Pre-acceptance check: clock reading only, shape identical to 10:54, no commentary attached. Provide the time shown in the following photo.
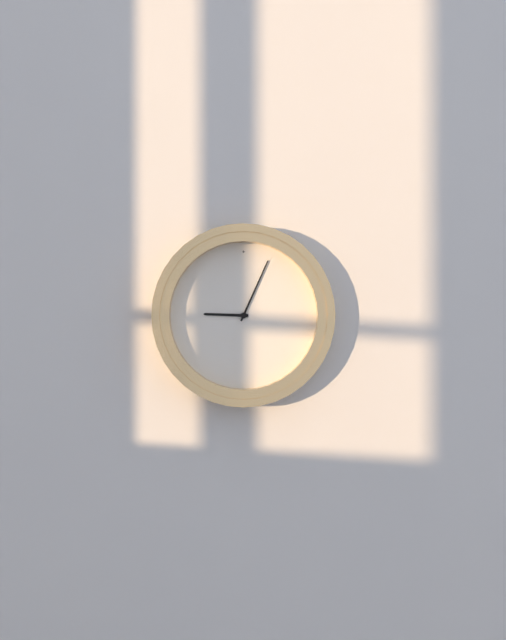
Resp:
9:04
